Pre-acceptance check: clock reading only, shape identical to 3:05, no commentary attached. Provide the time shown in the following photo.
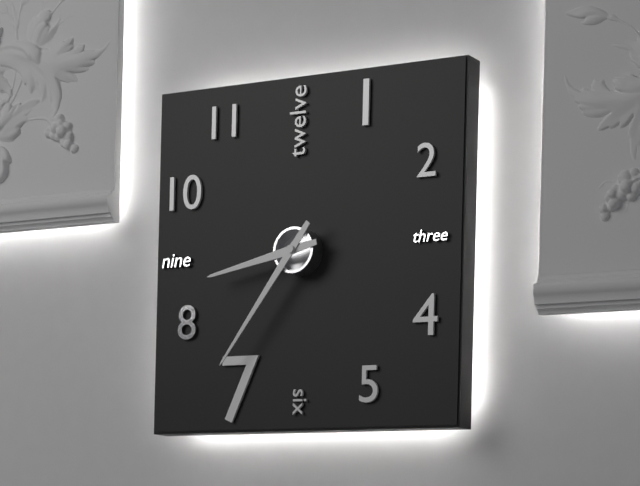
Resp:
8:36
